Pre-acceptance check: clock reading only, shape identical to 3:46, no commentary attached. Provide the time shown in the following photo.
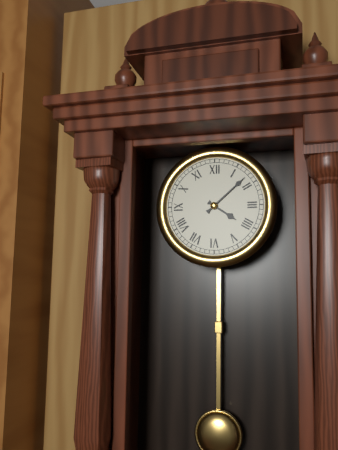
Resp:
4:08
